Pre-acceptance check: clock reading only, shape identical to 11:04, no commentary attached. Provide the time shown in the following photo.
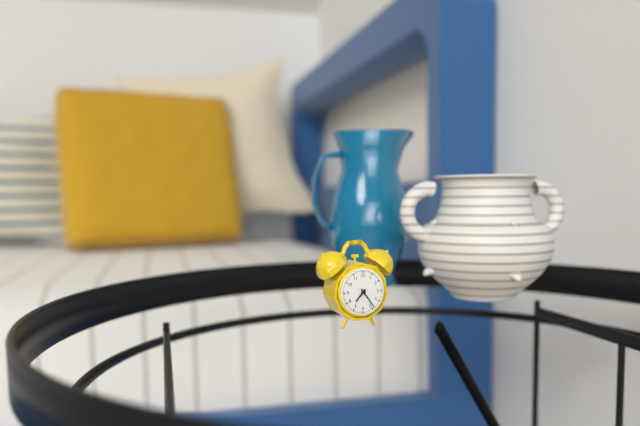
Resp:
7:24
